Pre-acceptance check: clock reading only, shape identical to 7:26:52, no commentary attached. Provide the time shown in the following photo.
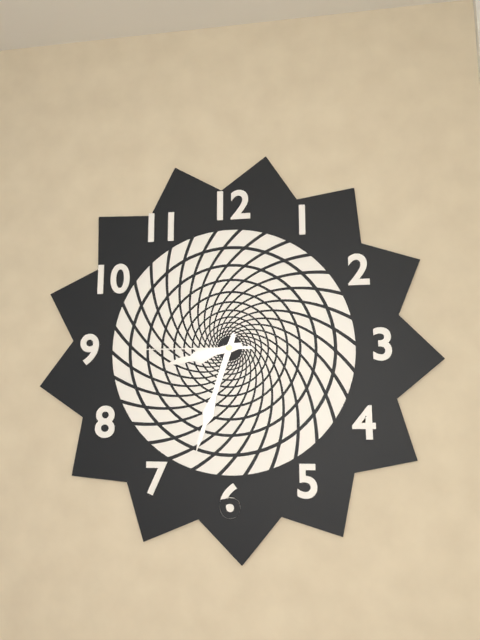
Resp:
8:33:45
